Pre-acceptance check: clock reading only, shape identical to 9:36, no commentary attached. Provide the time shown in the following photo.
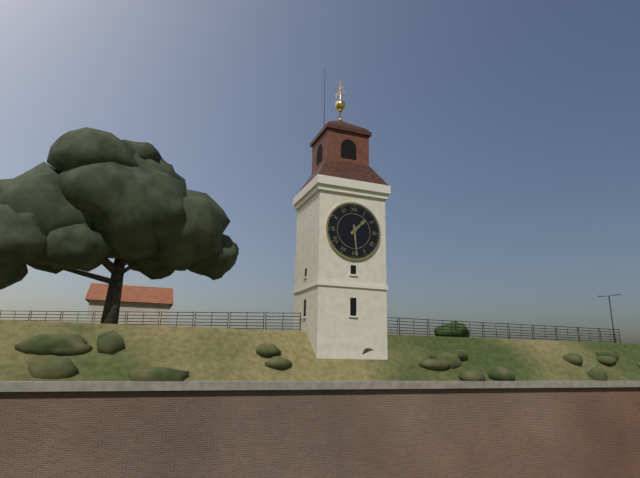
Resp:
1:29
